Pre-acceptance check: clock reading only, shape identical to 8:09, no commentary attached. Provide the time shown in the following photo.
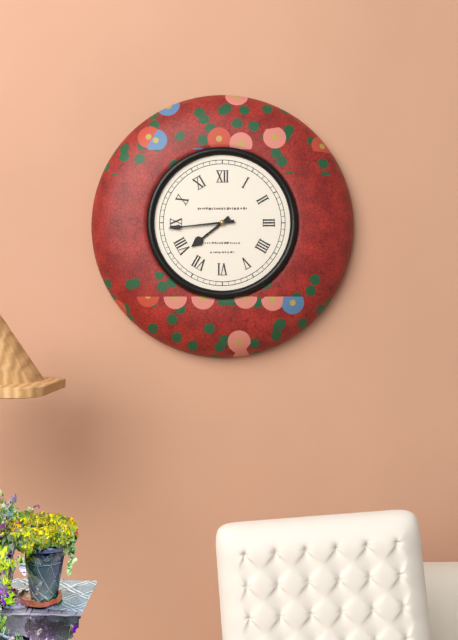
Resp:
7:44
